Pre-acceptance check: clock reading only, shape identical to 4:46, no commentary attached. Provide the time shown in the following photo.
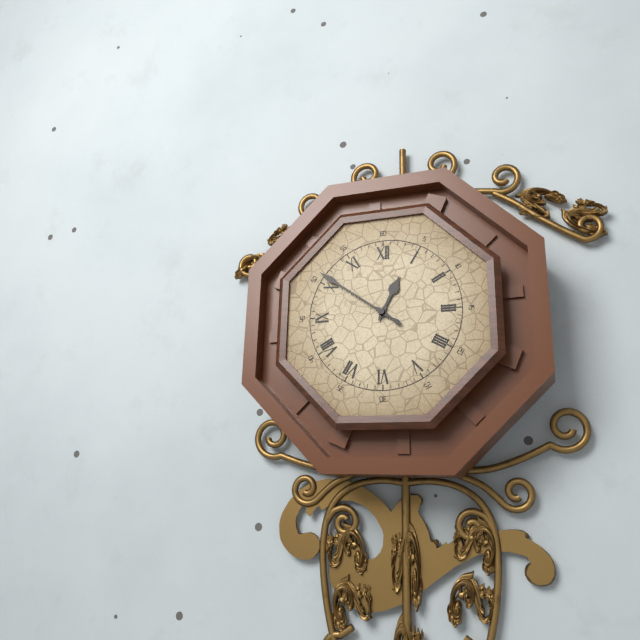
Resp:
12:51
